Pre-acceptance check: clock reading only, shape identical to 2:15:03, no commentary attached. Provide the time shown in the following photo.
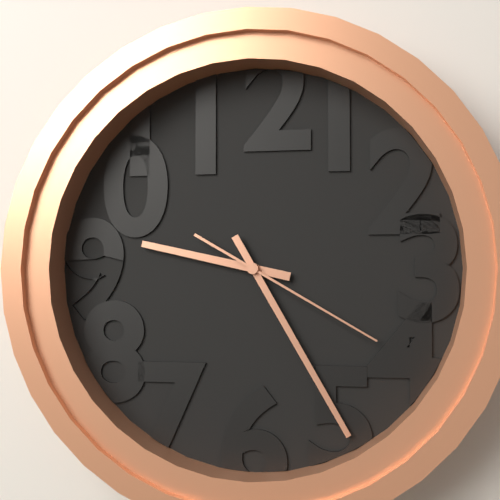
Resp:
9:25:20
